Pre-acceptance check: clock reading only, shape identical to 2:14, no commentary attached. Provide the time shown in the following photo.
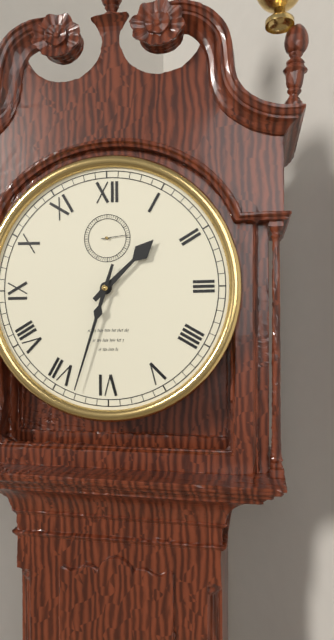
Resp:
1:33
